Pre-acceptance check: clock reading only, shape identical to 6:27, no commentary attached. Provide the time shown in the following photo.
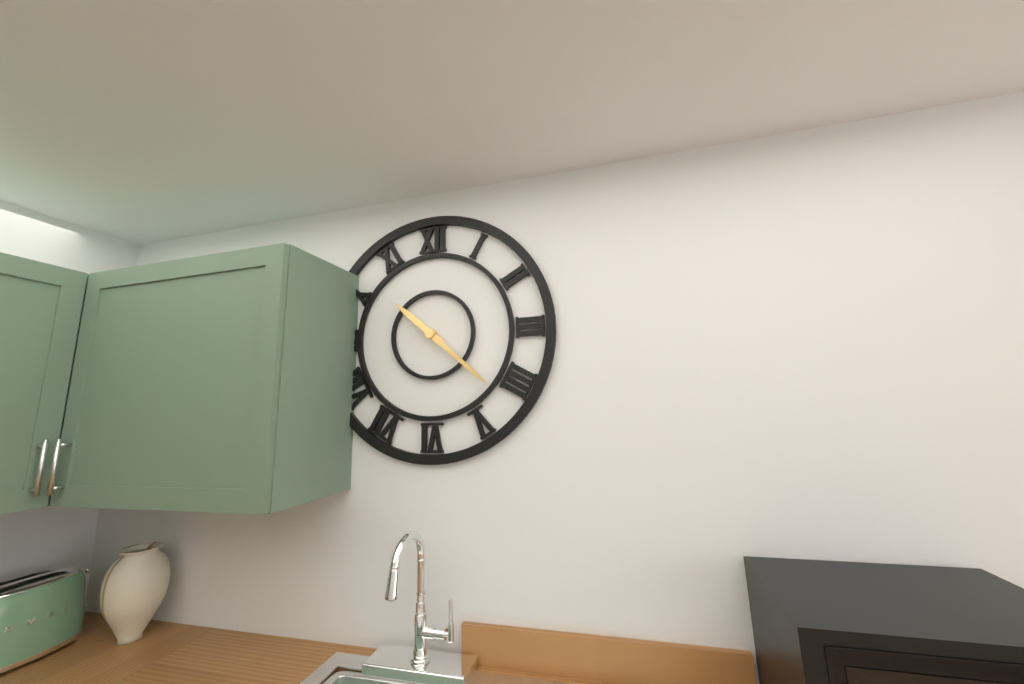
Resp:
10:22
